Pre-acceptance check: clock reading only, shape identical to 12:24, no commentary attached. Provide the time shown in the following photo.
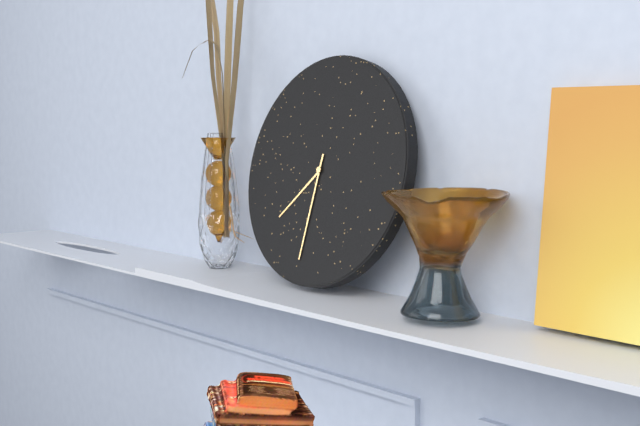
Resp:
7:31
